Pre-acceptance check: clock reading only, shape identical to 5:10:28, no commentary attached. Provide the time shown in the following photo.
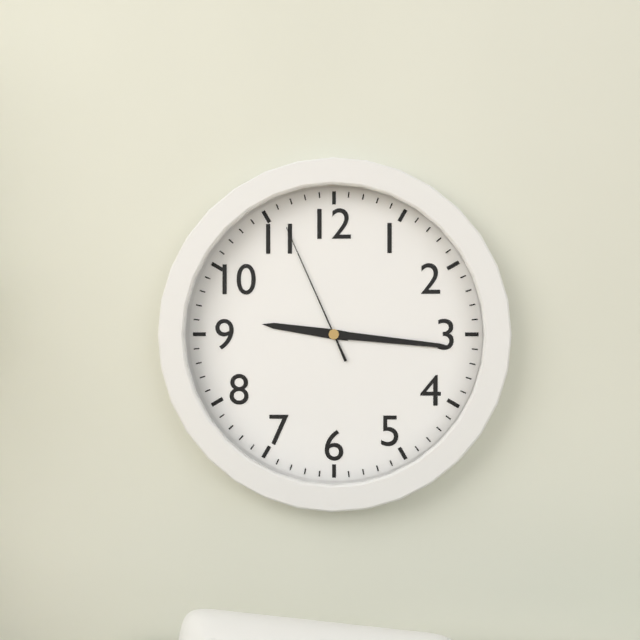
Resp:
9:16:56
